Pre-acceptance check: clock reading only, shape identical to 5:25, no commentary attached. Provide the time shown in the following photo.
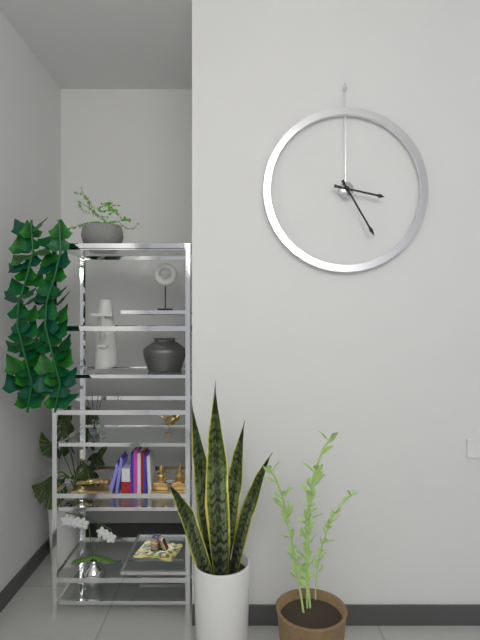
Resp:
3:25
